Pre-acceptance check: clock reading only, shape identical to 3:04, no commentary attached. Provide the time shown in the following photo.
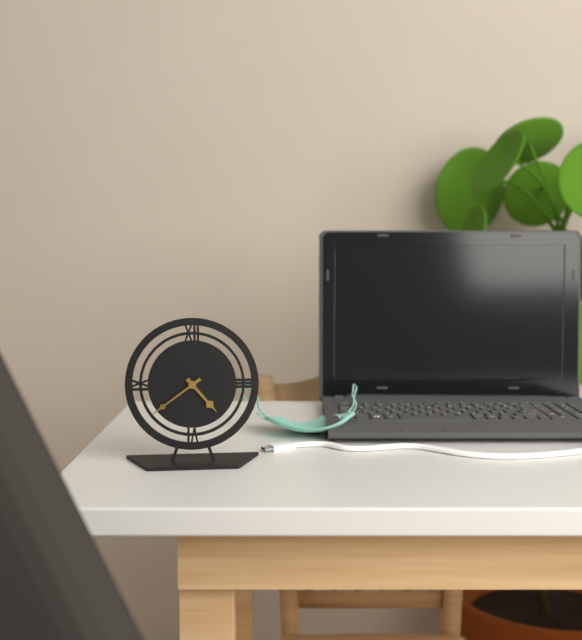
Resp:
4:39
